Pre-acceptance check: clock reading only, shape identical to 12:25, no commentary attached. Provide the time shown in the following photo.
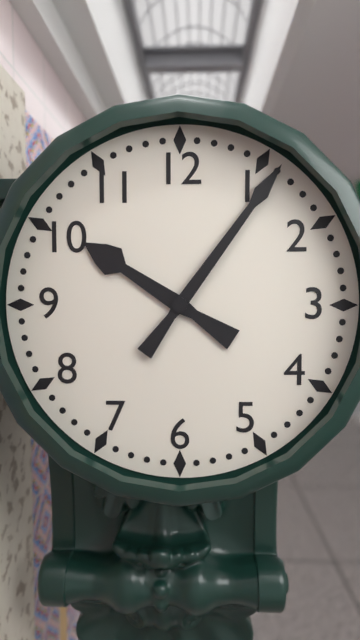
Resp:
10:06
